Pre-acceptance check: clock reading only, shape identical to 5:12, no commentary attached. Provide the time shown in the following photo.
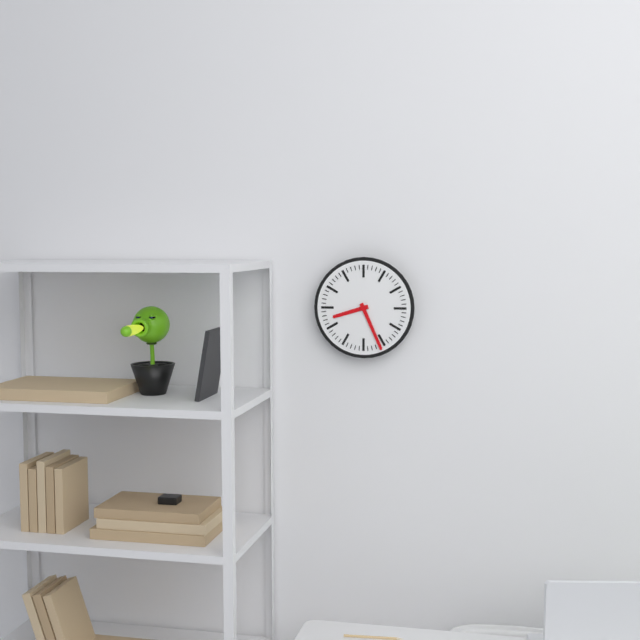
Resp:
8:26
